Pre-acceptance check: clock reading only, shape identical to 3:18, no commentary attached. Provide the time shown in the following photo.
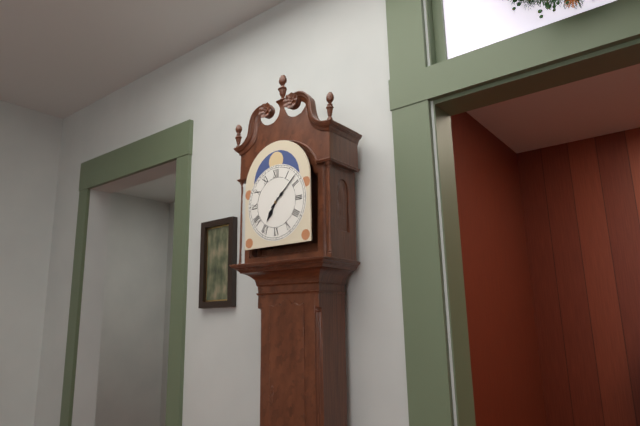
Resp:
7:08
